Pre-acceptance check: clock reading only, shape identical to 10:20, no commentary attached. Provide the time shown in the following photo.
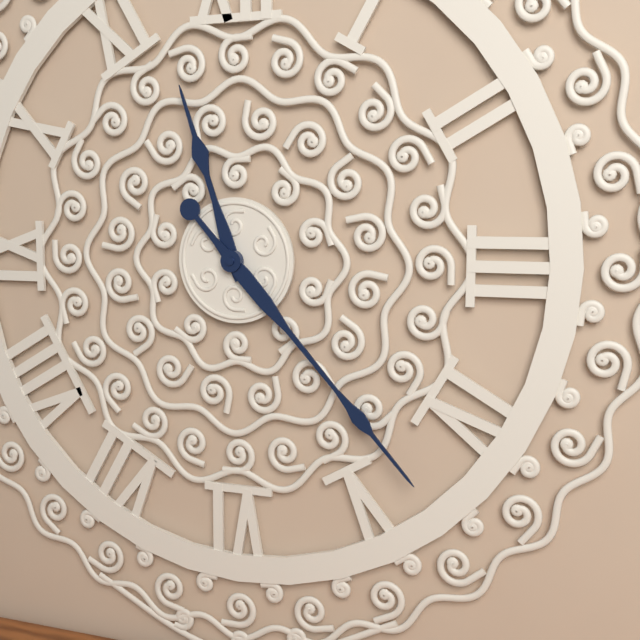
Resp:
11:23
